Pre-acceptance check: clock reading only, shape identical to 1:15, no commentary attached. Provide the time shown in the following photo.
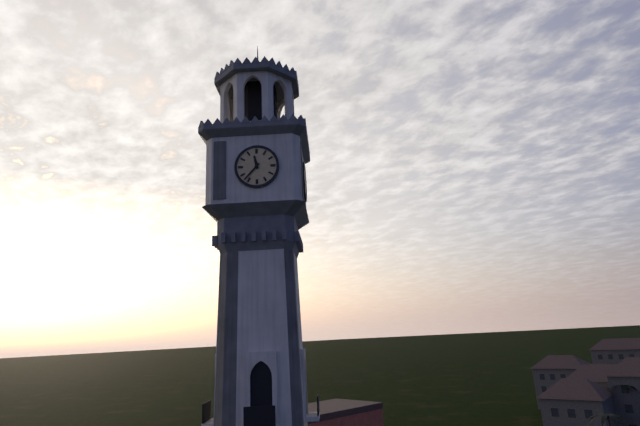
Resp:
11:37
